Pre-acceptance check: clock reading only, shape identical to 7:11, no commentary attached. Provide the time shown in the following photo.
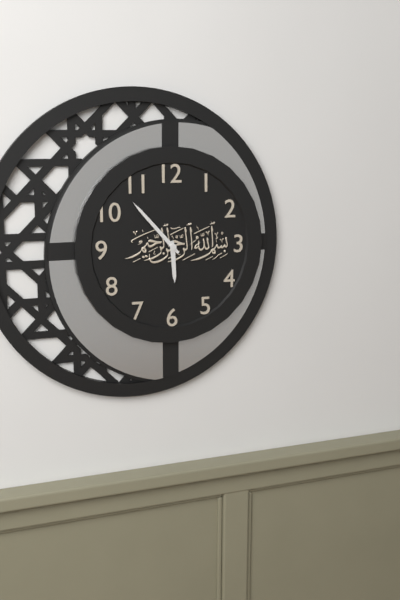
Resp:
5:53
